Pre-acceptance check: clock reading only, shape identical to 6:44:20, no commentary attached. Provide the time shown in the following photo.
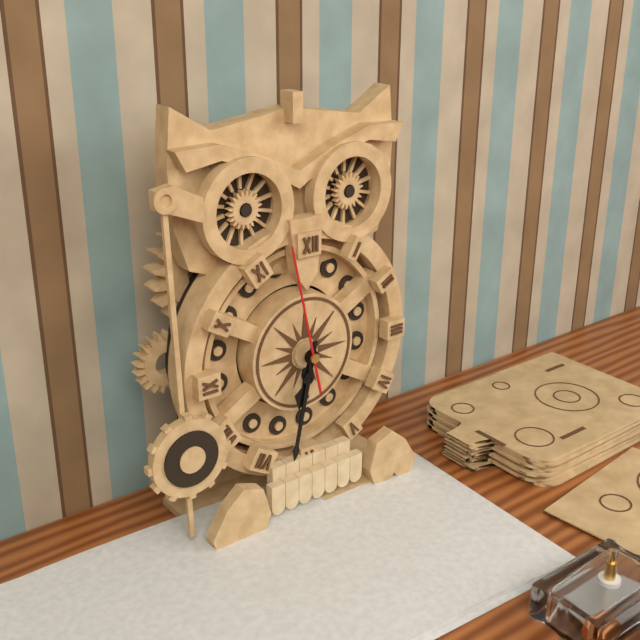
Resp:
6:32:58
